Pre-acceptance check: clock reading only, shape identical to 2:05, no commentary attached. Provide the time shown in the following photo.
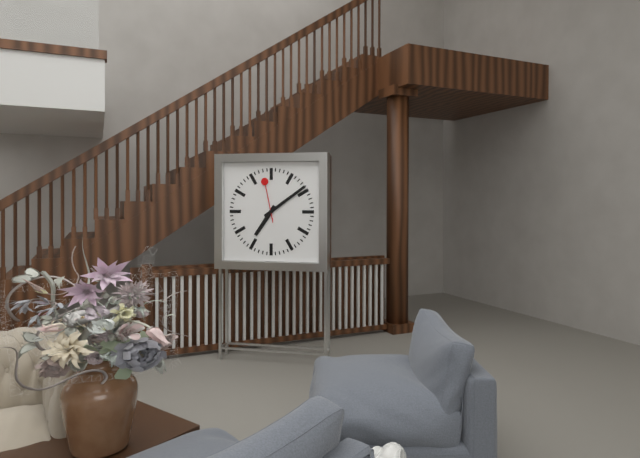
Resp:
7:09
